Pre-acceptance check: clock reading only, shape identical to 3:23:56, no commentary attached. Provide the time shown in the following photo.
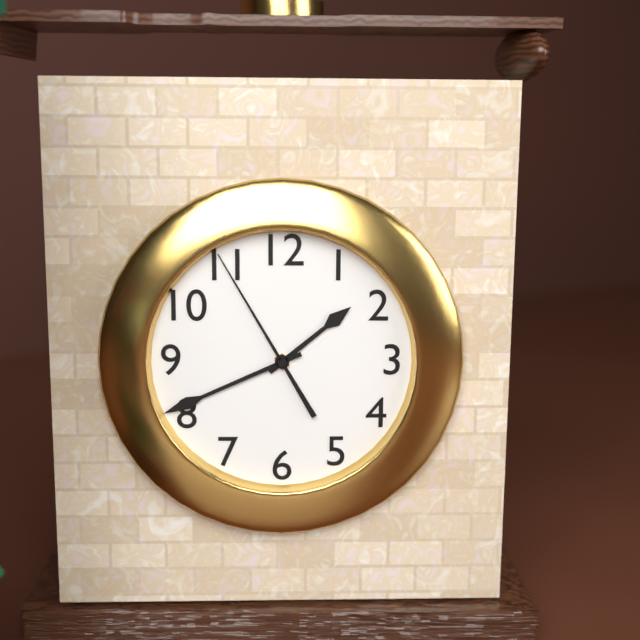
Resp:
1:41:55
